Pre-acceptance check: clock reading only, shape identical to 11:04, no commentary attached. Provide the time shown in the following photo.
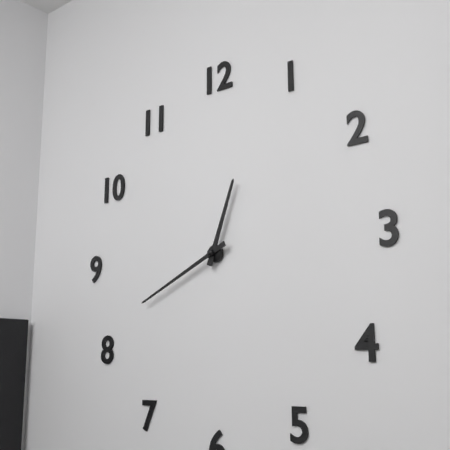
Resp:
12:41
